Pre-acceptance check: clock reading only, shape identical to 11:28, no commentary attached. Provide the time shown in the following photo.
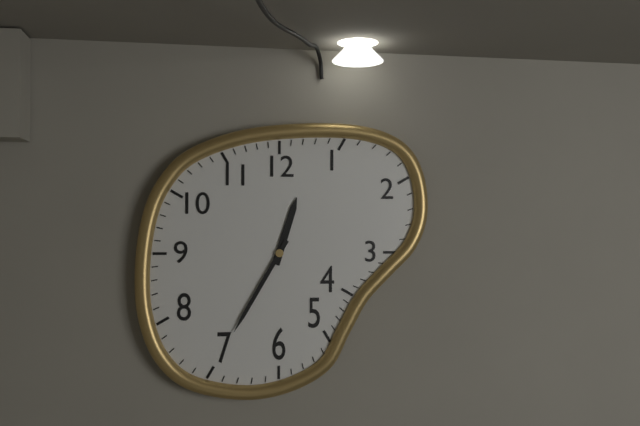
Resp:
12:35
